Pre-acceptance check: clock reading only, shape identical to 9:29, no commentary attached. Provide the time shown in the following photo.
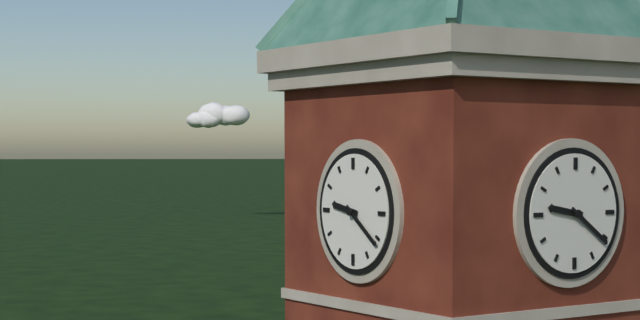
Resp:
9:21
